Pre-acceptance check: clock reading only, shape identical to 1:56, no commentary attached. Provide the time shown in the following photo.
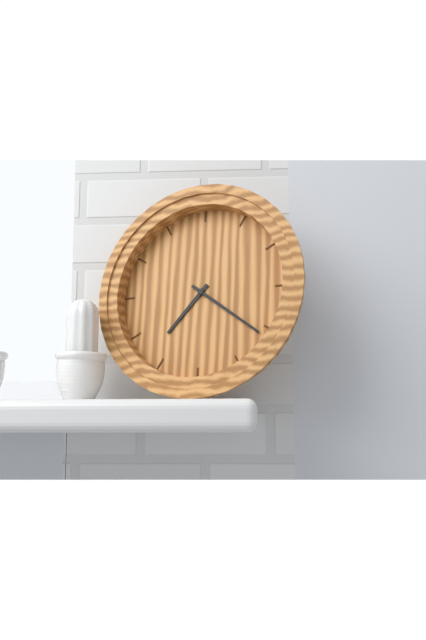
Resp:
7:21
